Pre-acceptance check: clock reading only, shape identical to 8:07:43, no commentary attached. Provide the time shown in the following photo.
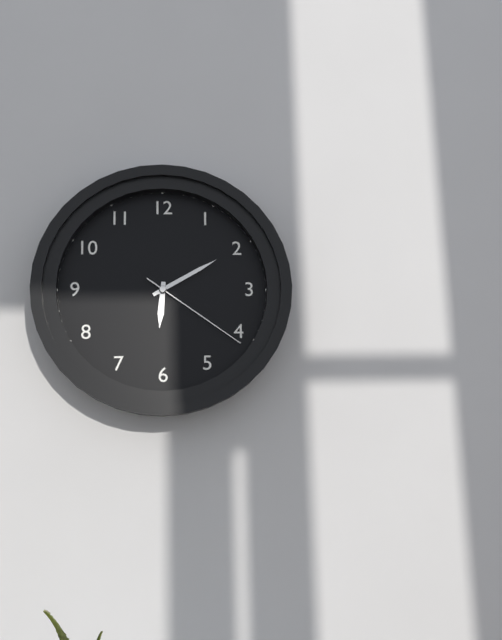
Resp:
6:10:21
